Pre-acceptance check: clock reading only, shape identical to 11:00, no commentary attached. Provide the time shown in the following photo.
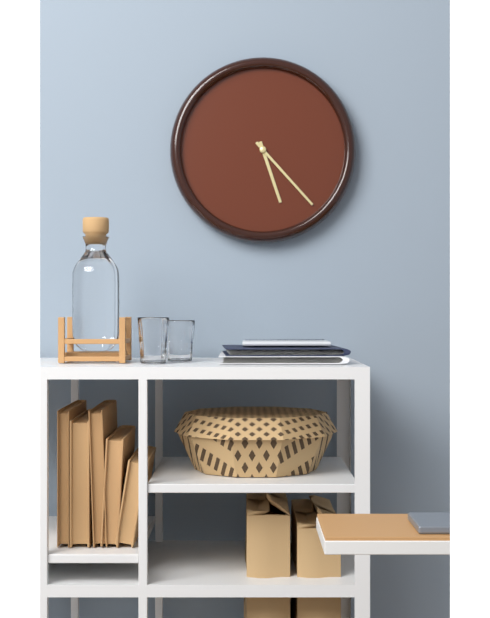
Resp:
5:23
